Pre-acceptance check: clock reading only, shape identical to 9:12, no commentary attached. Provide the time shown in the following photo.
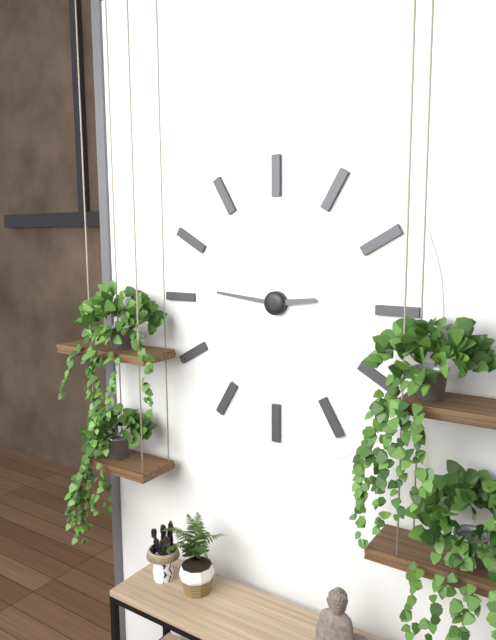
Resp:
2:46
